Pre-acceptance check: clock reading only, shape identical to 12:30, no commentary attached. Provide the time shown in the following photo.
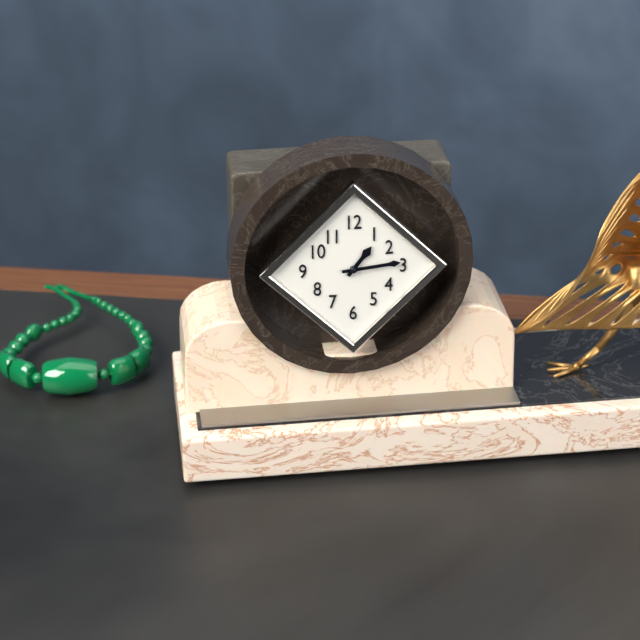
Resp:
1:14
